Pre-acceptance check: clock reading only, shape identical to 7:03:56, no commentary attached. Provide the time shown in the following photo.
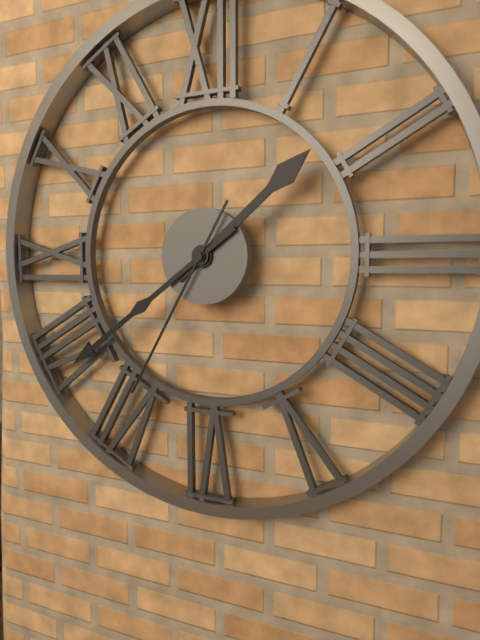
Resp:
1:39:35
